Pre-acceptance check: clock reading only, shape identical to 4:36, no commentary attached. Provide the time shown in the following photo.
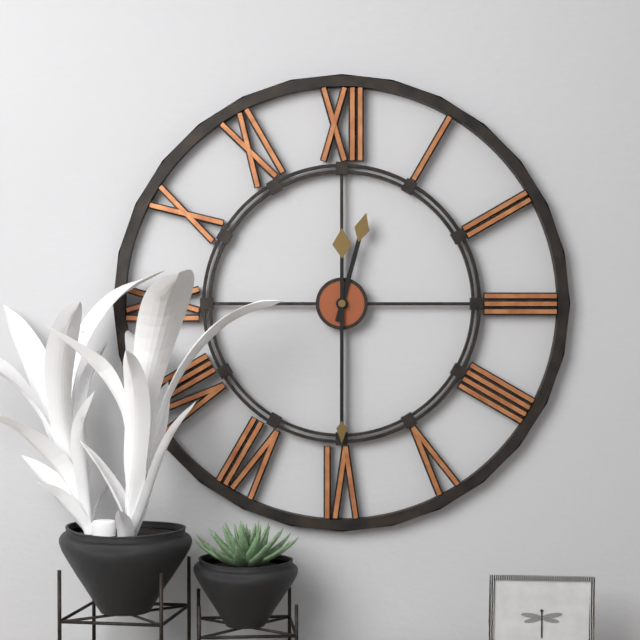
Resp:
12:30
